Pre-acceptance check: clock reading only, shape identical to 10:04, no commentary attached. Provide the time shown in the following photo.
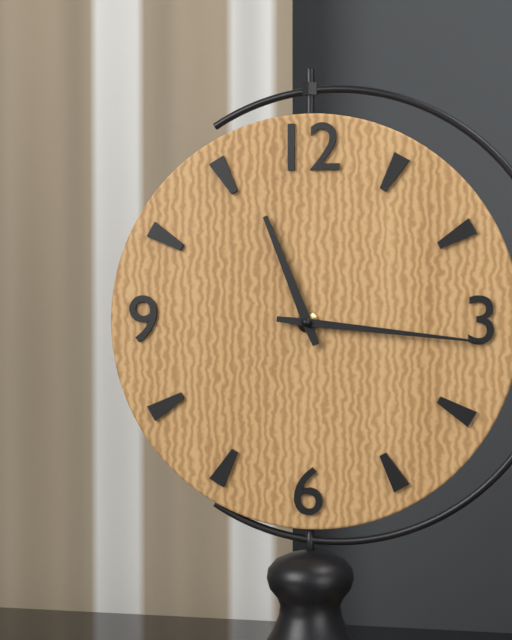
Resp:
11:16
